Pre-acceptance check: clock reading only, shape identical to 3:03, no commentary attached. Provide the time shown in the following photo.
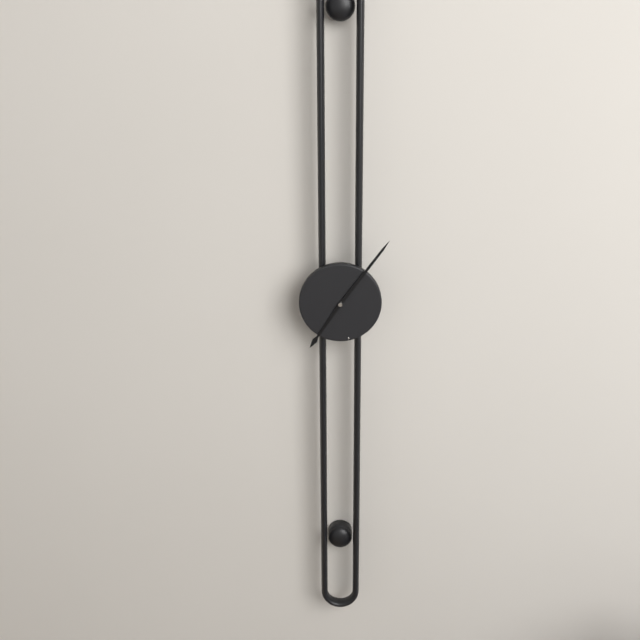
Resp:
7:06
